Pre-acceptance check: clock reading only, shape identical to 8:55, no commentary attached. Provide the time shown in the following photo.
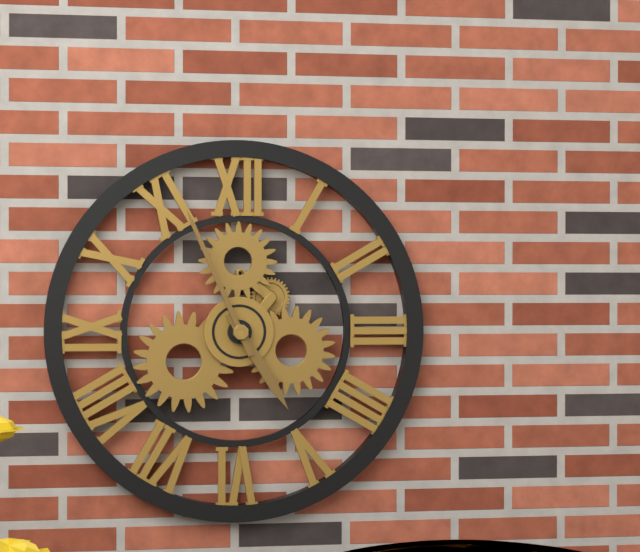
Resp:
4:56
